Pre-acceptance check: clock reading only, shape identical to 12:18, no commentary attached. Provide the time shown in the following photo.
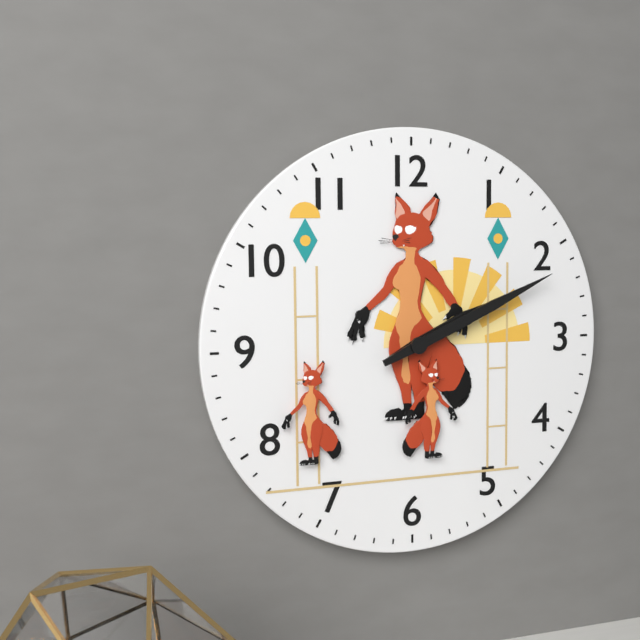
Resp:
2:11
